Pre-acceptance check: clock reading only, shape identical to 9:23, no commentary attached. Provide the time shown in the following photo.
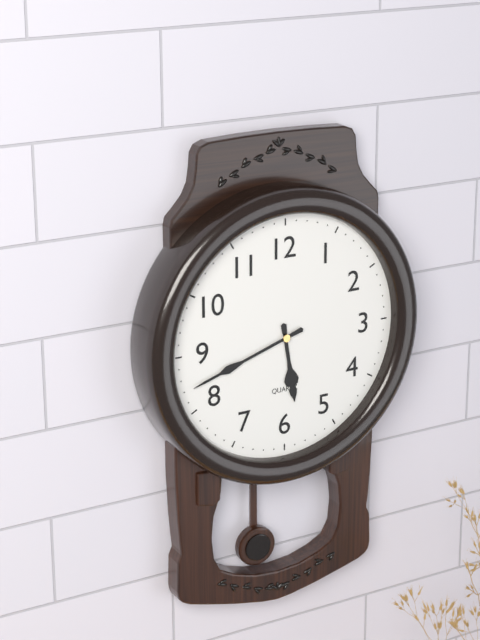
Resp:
5:42
